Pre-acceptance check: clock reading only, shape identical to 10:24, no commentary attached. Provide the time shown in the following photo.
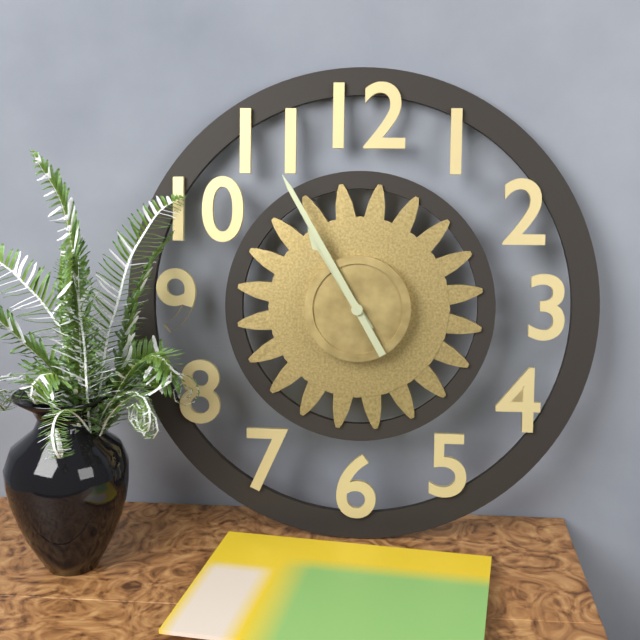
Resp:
10:55
